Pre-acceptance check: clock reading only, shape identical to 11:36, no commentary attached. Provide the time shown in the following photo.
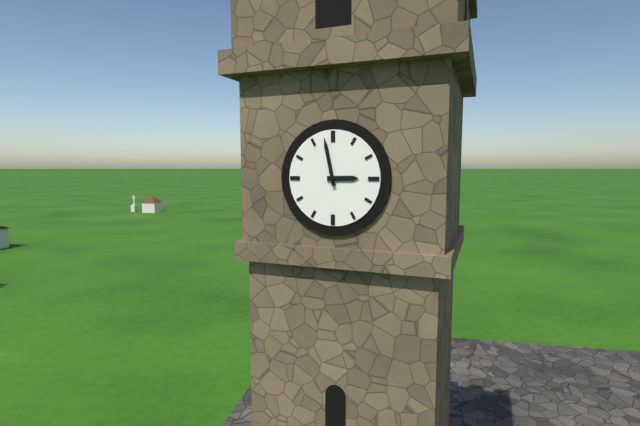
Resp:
2:58
